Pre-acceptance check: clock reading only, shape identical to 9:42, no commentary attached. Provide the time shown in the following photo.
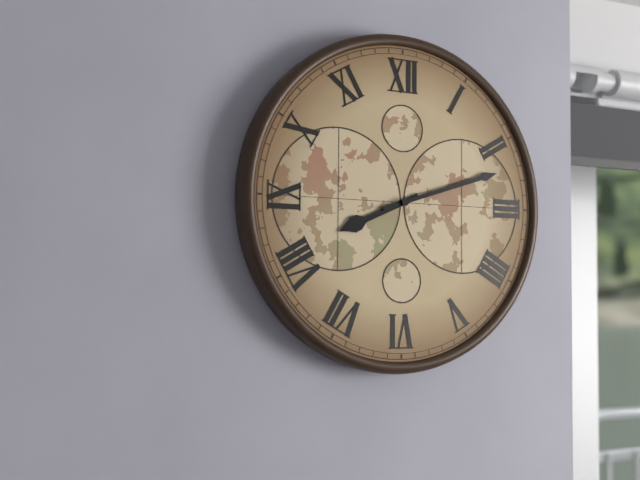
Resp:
8:12
